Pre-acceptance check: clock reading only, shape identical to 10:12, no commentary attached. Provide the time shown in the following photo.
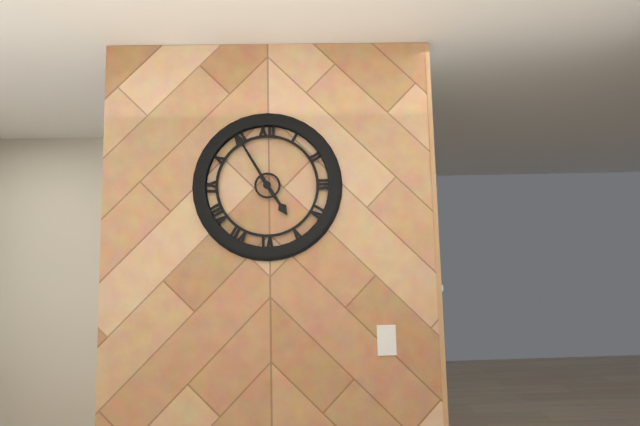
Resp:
4:55
